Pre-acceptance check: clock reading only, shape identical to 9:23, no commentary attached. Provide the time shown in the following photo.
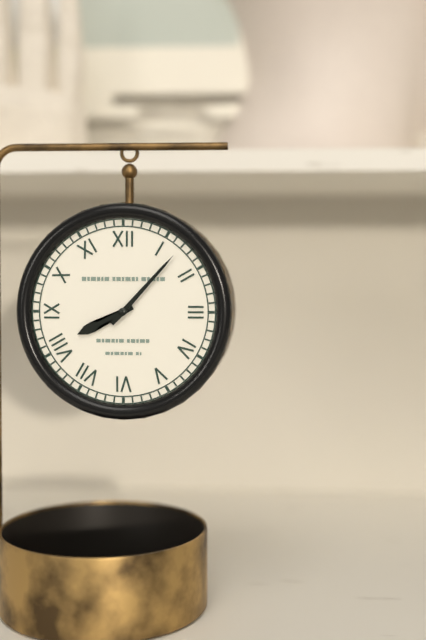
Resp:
8:07
